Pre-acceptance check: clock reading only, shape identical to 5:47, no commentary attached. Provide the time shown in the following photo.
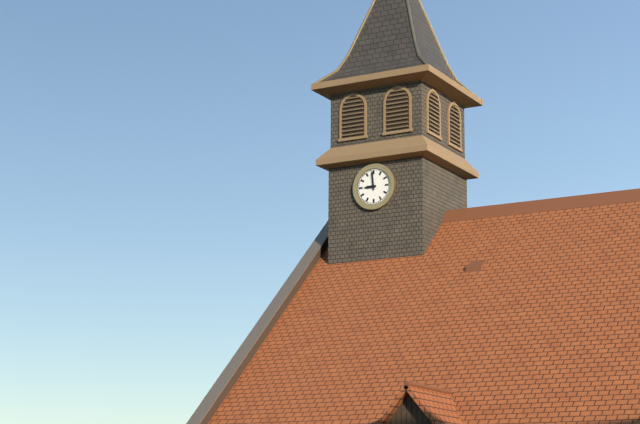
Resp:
8:59
